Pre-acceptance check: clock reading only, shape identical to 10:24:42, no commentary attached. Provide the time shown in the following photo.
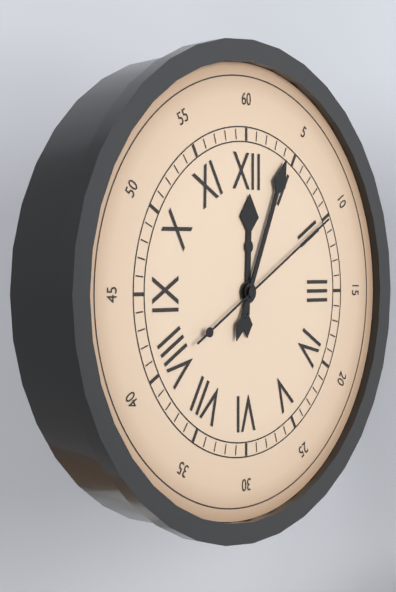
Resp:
12:04:10
